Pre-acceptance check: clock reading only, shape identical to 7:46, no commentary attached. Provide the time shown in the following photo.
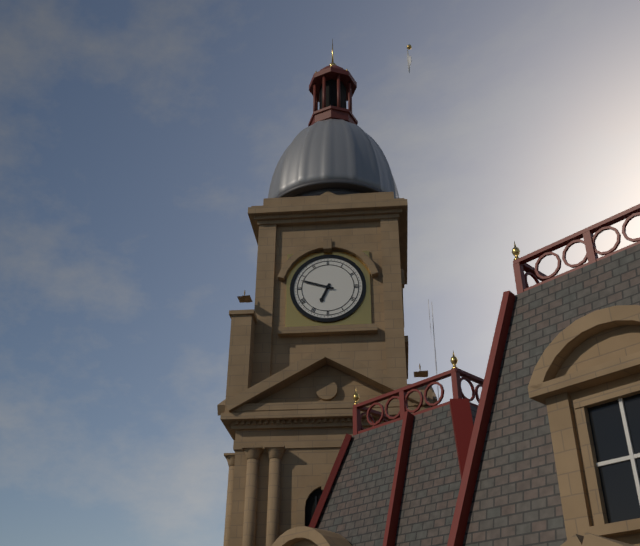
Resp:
6:48
